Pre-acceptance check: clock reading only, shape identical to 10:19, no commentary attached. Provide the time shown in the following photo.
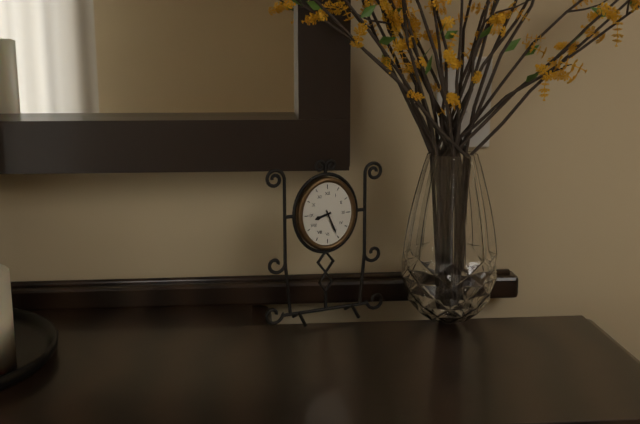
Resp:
8:26
